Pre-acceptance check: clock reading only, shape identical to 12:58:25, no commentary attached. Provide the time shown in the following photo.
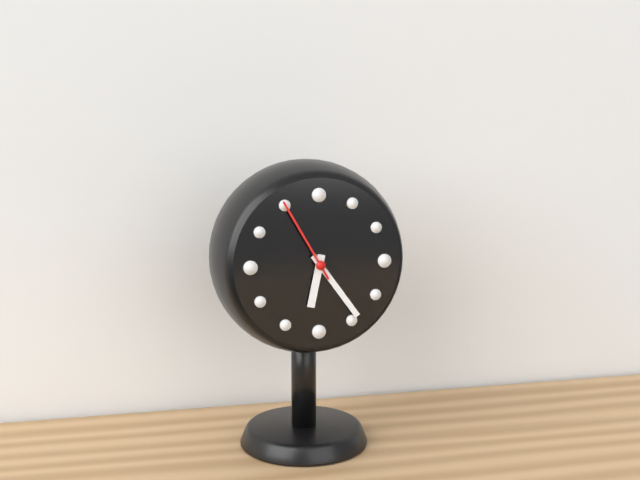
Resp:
6:24:55
